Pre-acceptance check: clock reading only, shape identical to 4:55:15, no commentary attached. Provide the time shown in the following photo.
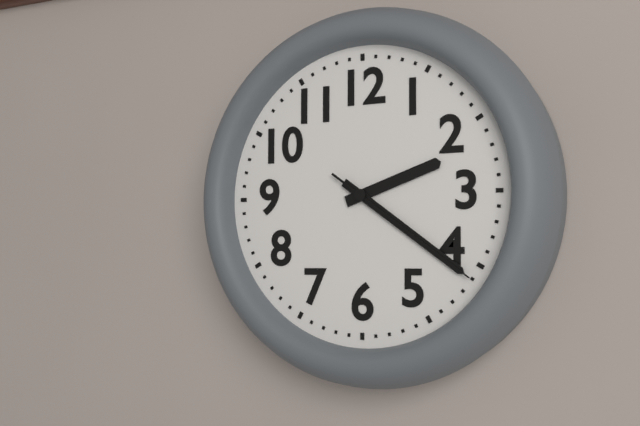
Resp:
2:21:21
